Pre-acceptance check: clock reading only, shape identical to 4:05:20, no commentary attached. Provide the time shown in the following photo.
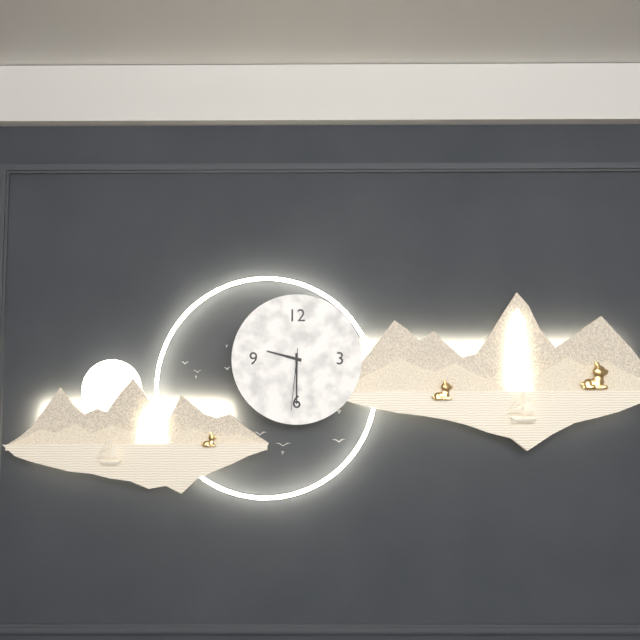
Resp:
9:30:31
